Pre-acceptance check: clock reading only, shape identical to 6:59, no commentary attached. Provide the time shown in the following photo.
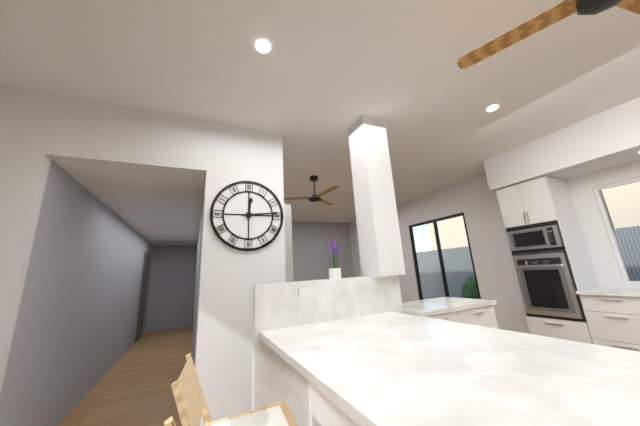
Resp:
12:14
